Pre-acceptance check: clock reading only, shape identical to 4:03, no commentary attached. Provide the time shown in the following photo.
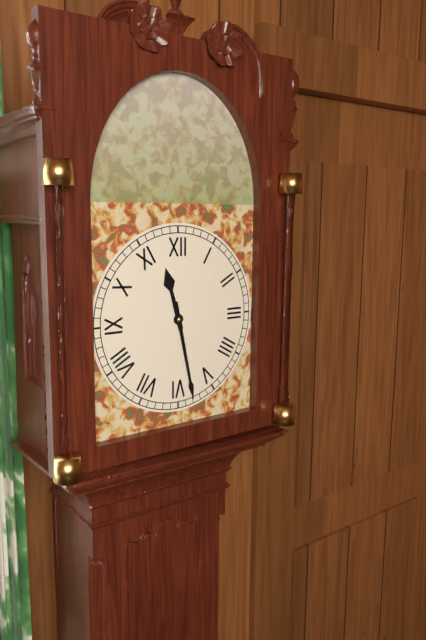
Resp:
11:28
